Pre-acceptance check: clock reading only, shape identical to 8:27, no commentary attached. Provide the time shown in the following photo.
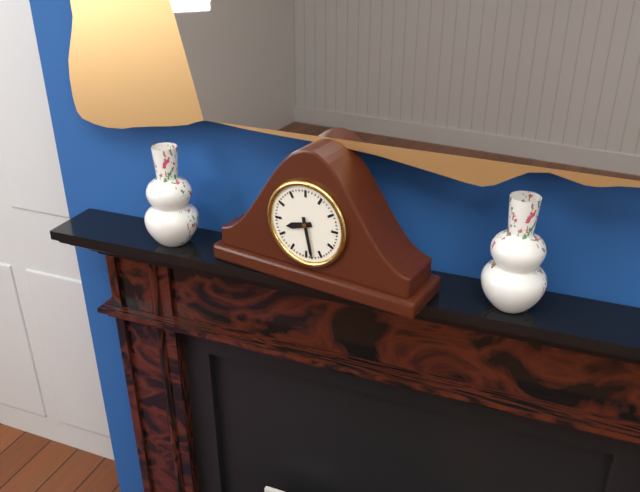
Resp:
8:28
